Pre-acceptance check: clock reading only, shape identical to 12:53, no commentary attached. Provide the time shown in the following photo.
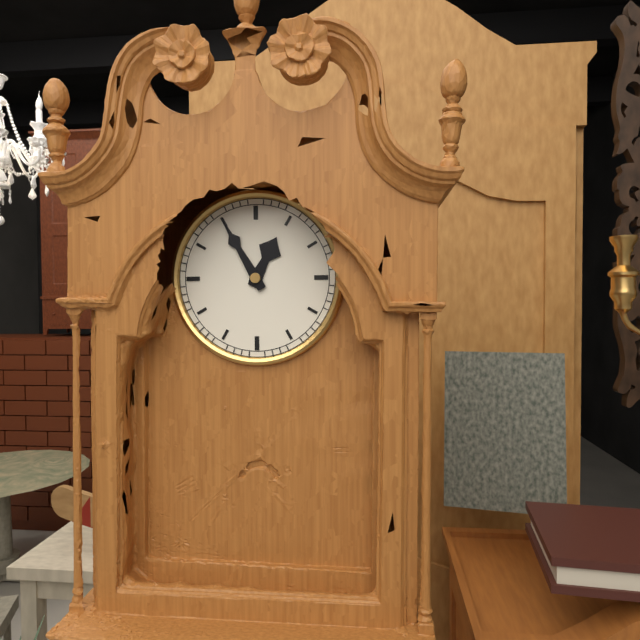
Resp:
12:55
